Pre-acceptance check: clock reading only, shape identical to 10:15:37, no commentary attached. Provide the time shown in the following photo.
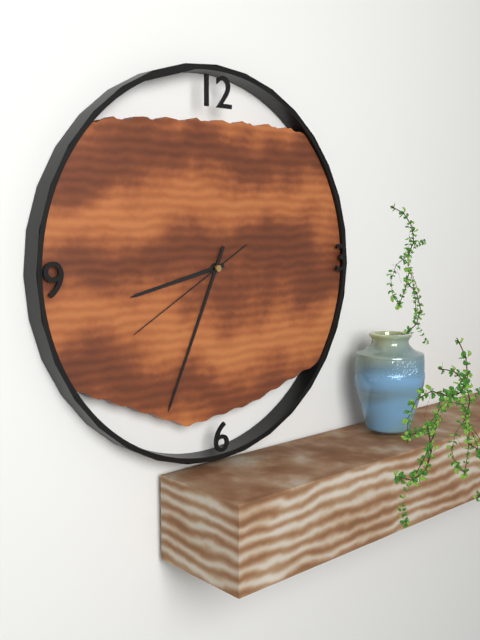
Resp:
8:34:40
